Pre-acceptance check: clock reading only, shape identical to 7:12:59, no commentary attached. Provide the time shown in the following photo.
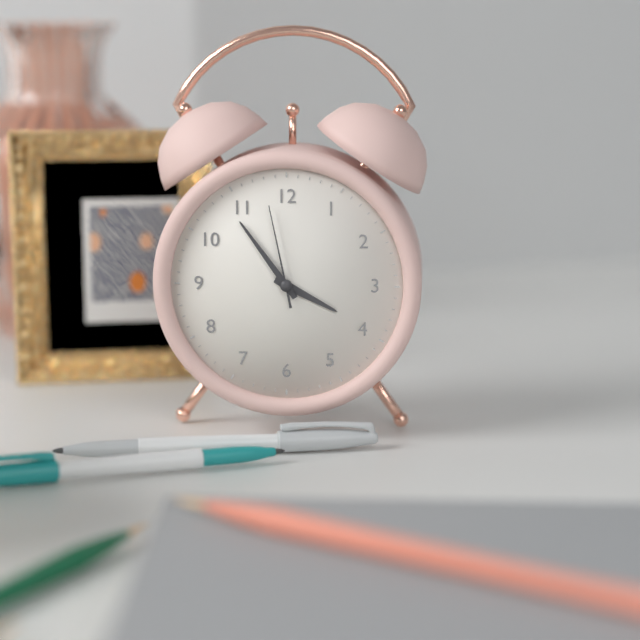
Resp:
3:54:58
